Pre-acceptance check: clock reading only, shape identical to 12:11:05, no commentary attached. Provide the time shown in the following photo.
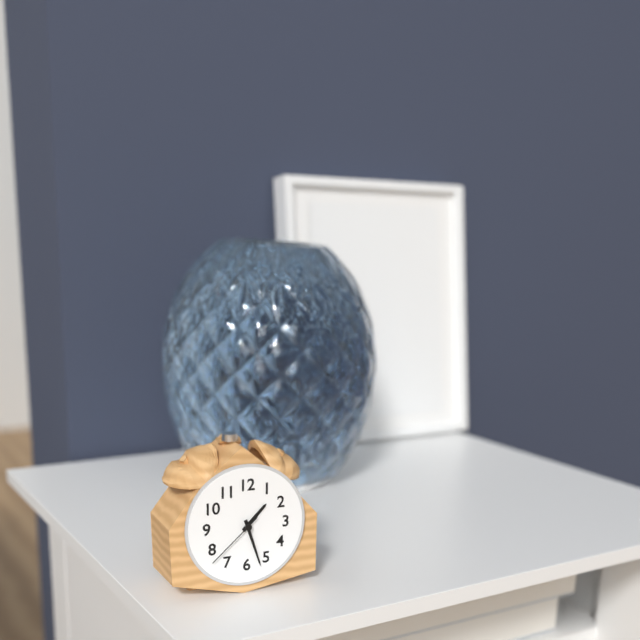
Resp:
1:27:38
